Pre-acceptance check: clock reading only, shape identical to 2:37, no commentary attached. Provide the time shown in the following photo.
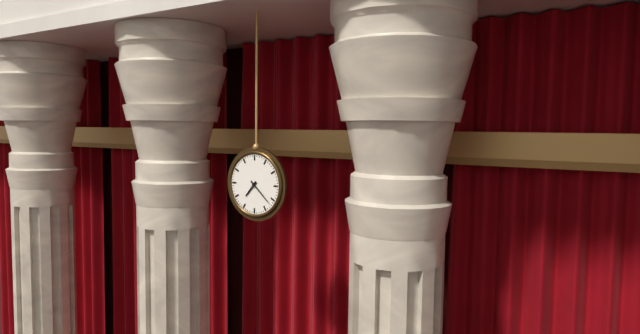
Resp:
7:22
